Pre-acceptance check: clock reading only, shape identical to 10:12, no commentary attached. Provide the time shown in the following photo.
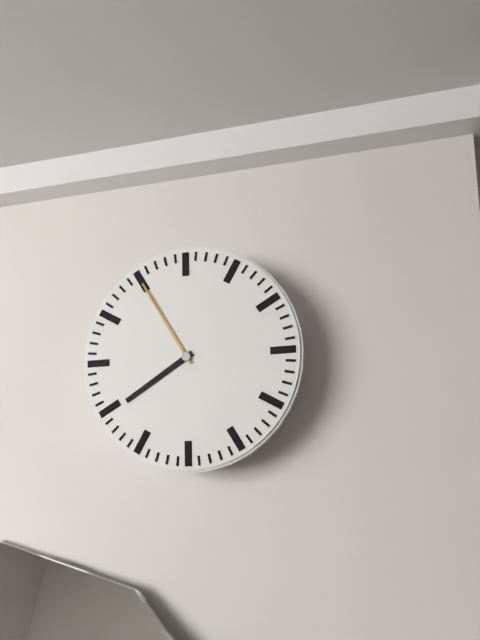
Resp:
7:55
